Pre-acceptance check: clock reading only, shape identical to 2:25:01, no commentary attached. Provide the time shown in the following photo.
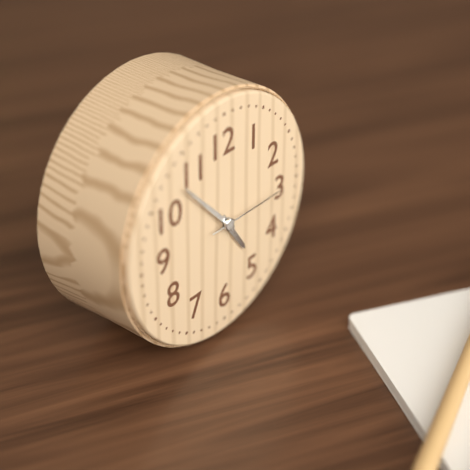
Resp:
4:53:15
